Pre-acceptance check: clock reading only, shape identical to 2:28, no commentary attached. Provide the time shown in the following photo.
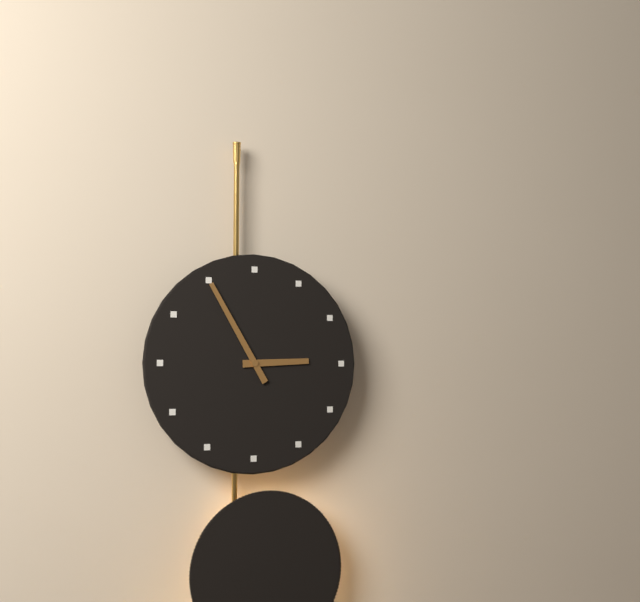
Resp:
2:55
